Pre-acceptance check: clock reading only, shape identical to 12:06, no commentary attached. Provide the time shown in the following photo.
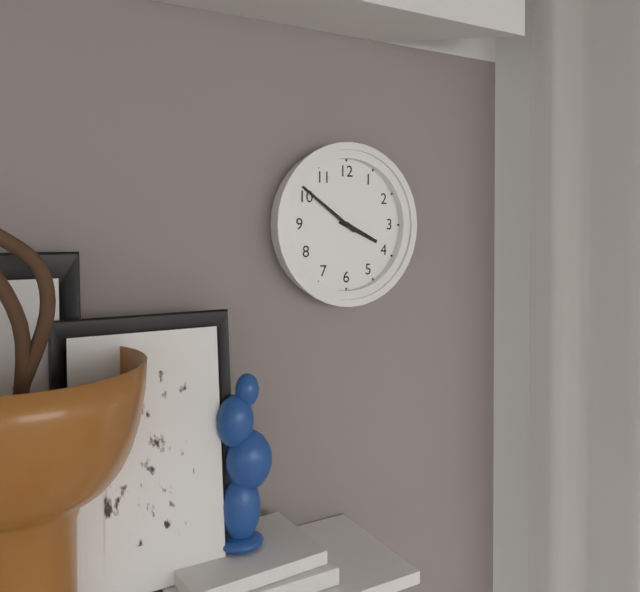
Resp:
3:51
